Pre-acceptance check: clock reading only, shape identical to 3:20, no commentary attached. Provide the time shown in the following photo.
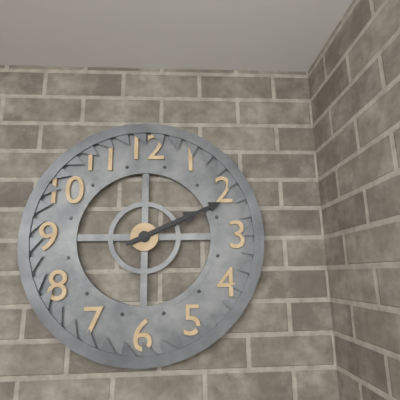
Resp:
2:11
